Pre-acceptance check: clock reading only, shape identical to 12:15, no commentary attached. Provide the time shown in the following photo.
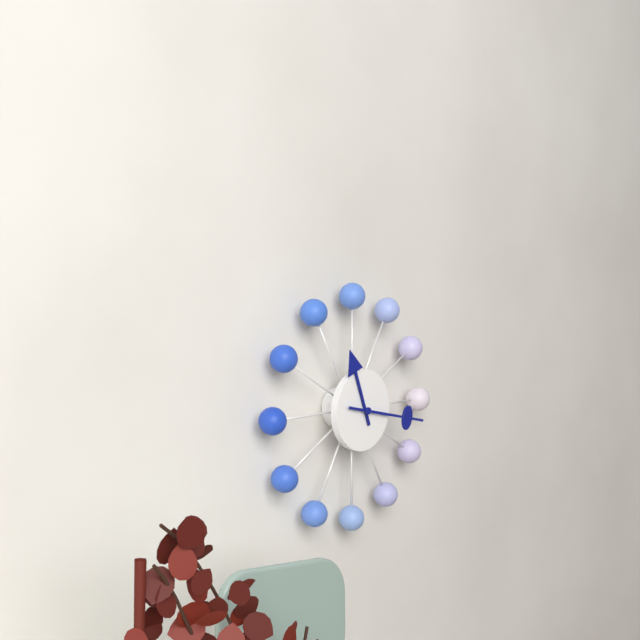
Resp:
11:17
